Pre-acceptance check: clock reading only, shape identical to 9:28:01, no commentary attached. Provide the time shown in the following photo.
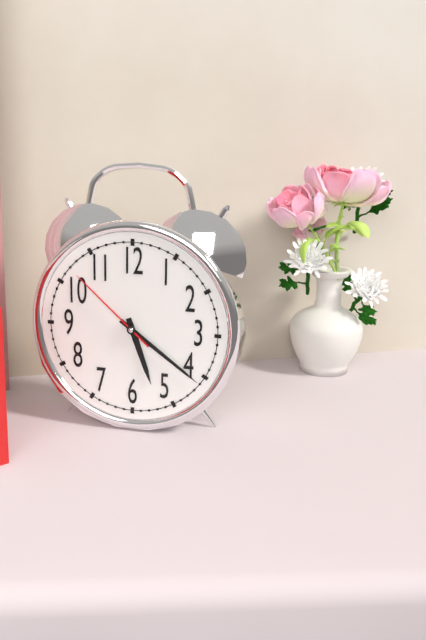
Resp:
5:21:52
